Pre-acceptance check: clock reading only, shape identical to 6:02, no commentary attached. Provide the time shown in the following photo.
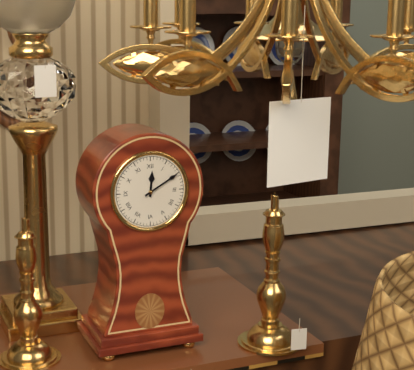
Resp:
12:10
